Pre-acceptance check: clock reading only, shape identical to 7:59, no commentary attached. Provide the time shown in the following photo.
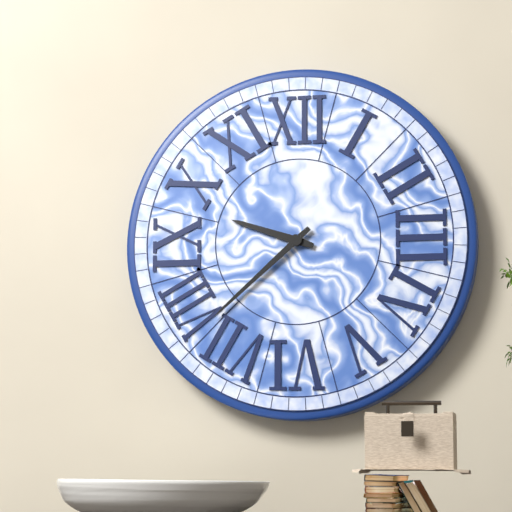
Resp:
9:38
